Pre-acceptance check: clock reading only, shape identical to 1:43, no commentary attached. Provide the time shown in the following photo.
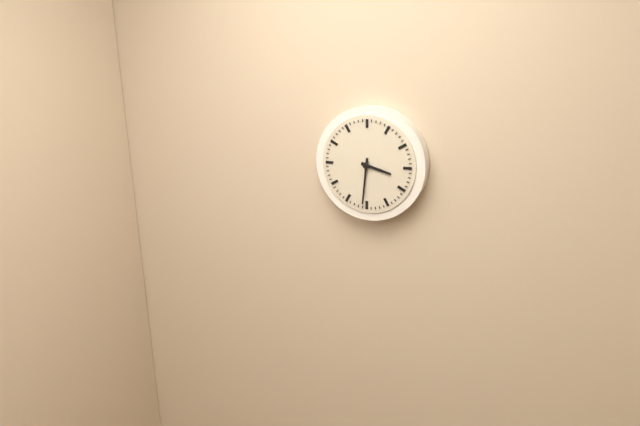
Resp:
3:31
